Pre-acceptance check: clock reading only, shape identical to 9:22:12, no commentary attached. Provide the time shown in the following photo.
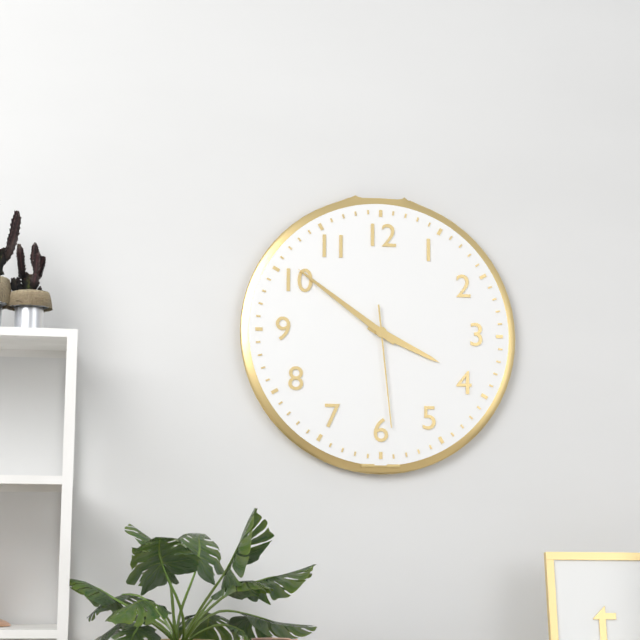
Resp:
3:51:29
